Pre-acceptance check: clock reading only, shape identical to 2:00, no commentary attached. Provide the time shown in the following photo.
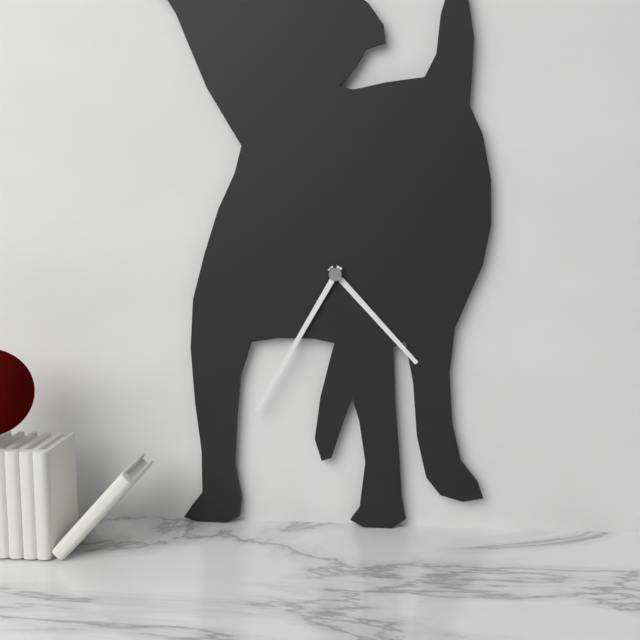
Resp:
4:35
